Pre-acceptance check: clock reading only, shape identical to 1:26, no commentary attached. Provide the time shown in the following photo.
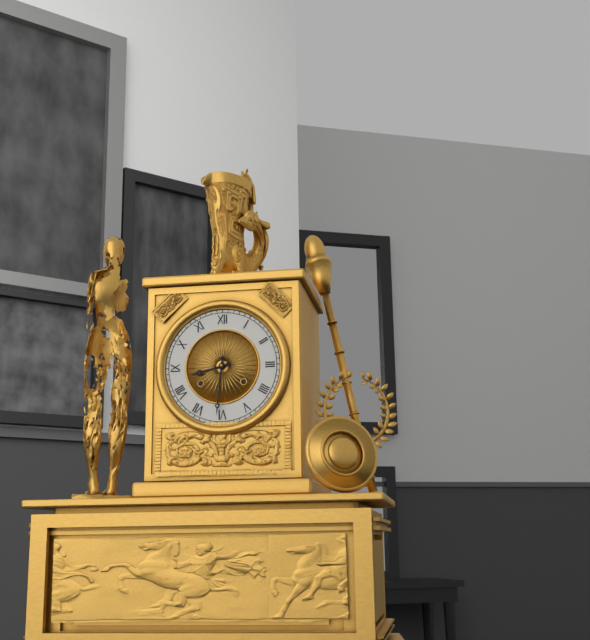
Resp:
8:31
